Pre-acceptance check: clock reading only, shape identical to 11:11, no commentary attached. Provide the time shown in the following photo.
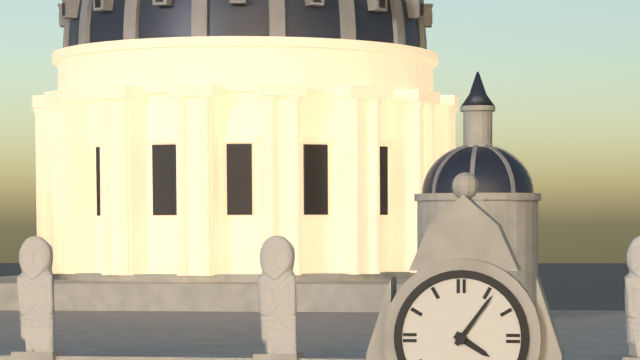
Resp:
4:06
